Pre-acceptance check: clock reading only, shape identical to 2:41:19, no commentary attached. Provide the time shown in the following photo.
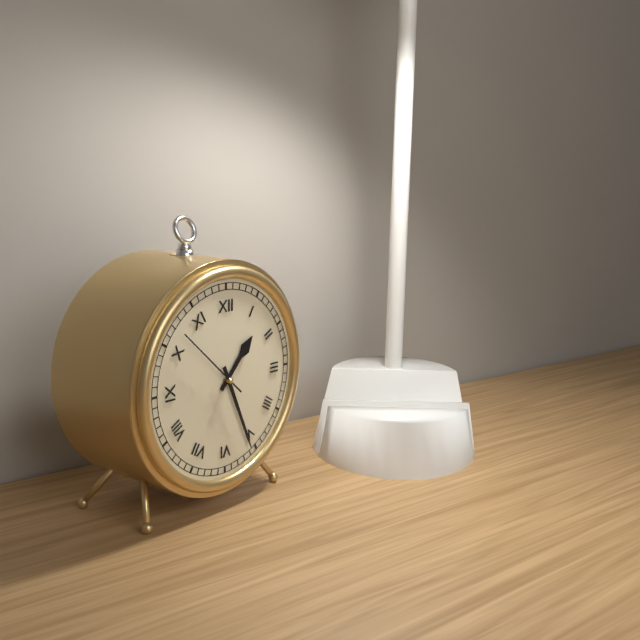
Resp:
1:26:52
